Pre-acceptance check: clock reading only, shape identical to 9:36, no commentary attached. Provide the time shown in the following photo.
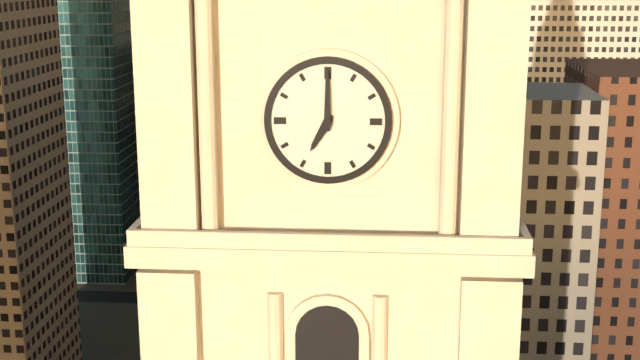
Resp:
7:00
